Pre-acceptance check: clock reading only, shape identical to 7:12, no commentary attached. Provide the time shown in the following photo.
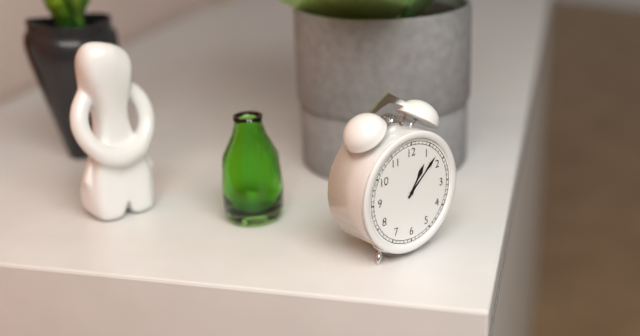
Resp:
1:08
